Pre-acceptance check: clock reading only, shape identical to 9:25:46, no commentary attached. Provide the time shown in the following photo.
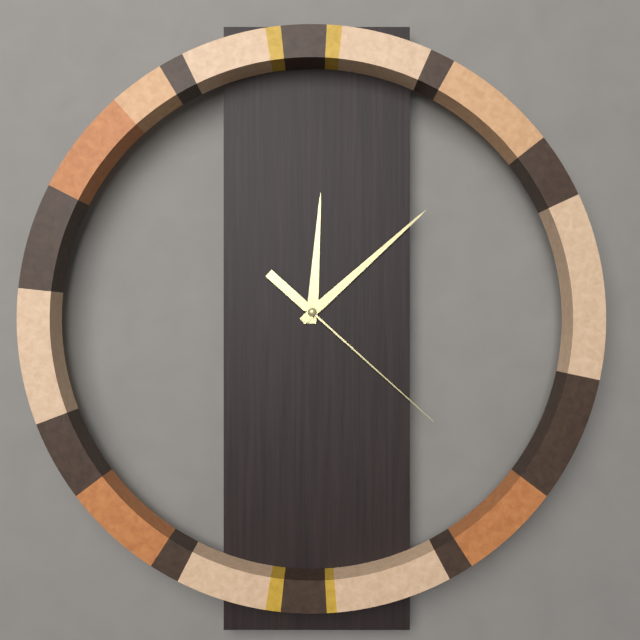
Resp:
12:08:22
